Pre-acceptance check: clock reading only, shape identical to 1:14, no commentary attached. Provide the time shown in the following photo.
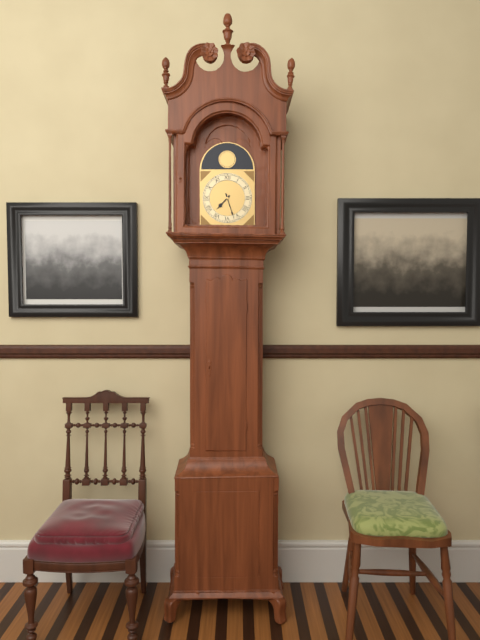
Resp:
7:27
